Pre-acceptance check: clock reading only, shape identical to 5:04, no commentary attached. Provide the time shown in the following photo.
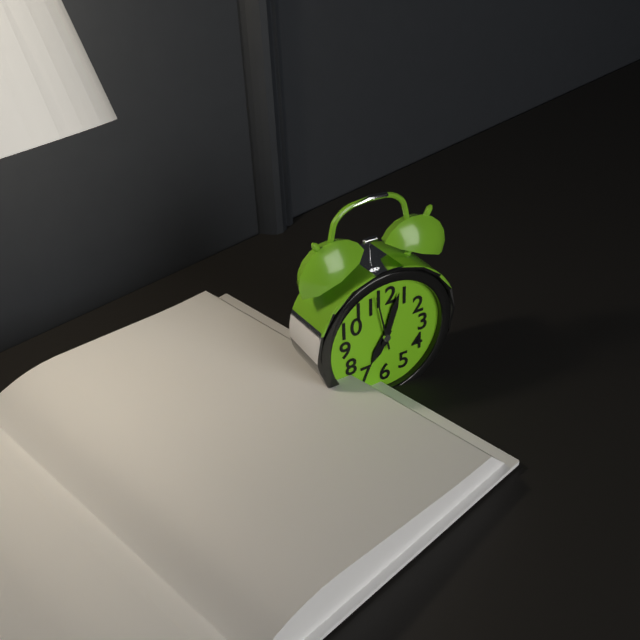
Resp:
7:03
